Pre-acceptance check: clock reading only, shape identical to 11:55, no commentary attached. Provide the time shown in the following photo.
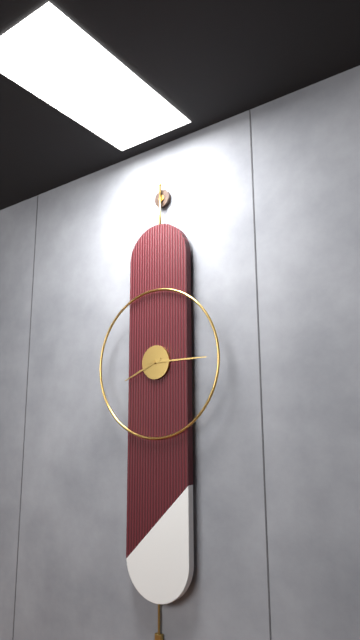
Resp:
8:15
